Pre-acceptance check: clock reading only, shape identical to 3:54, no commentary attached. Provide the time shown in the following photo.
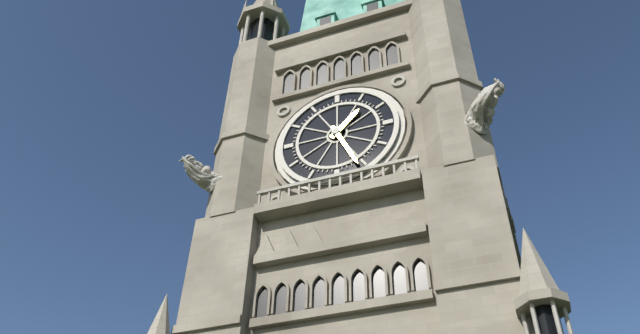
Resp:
1:26
